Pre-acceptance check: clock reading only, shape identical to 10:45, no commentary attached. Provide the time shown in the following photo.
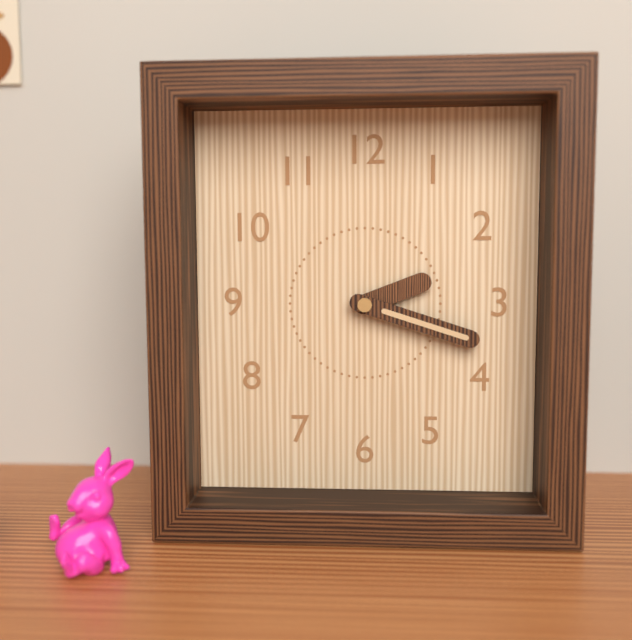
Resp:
2:18
